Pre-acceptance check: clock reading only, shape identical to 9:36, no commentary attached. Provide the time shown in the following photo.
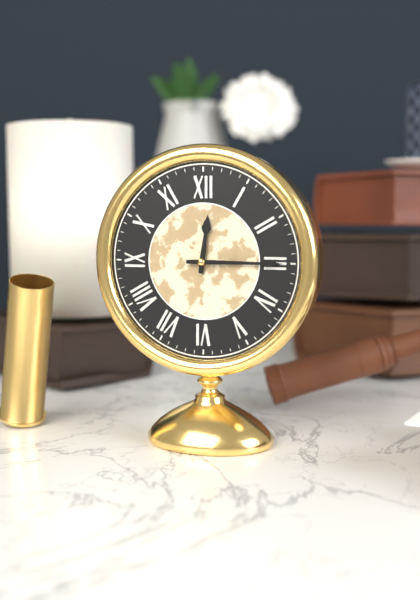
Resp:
12:15
